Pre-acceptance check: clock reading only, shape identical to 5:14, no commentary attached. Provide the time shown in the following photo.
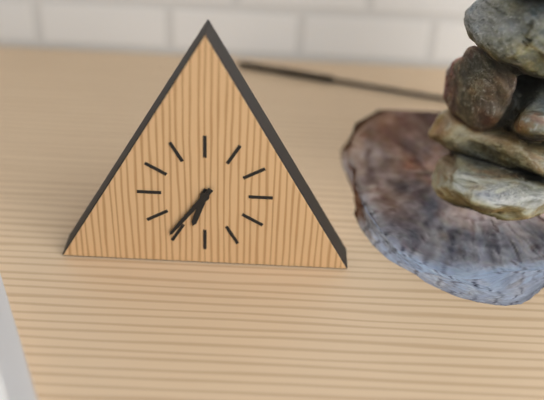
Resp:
6:36
